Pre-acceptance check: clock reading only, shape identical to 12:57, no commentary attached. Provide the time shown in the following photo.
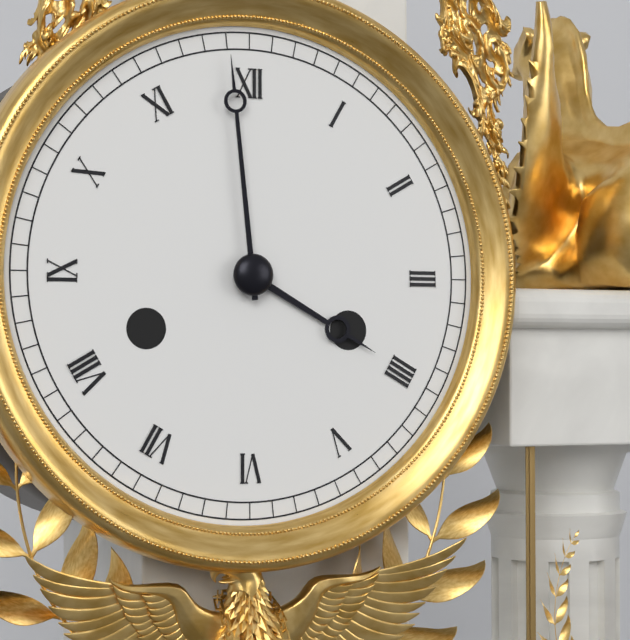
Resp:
3:59
